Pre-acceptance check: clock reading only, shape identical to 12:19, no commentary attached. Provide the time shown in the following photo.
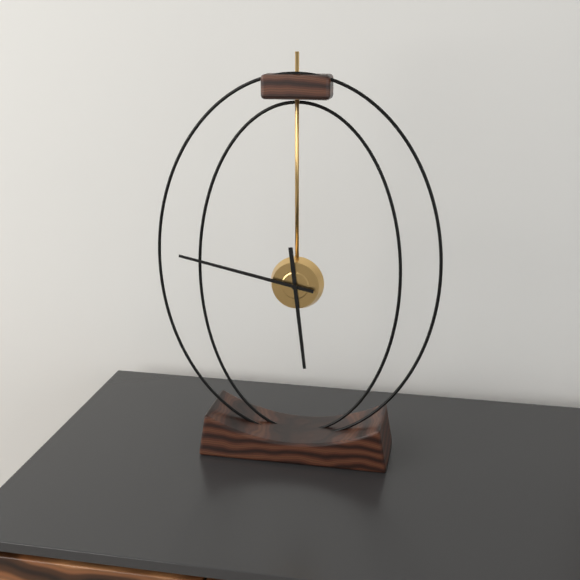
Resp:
5:47
